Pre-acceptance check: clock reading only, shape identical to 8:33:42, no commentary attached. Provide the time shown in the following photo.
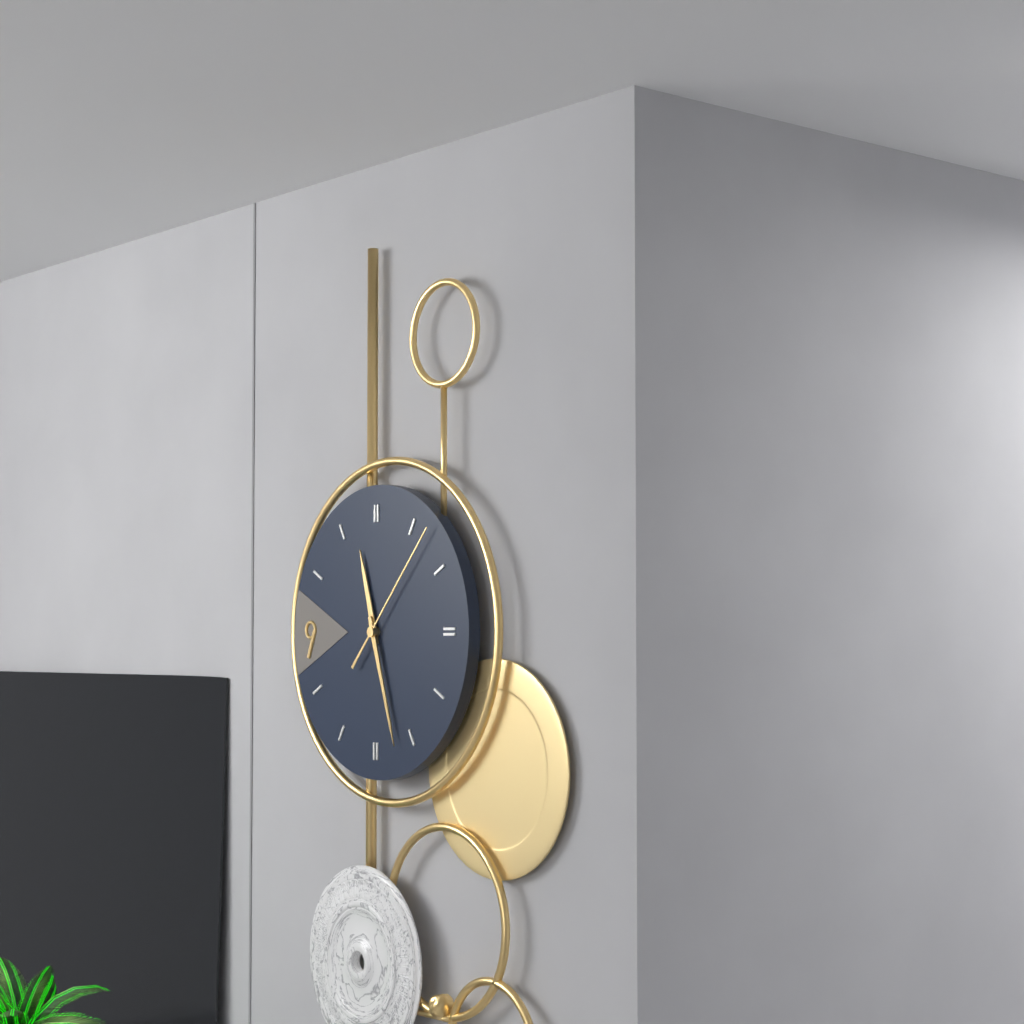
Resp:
11:27:07
